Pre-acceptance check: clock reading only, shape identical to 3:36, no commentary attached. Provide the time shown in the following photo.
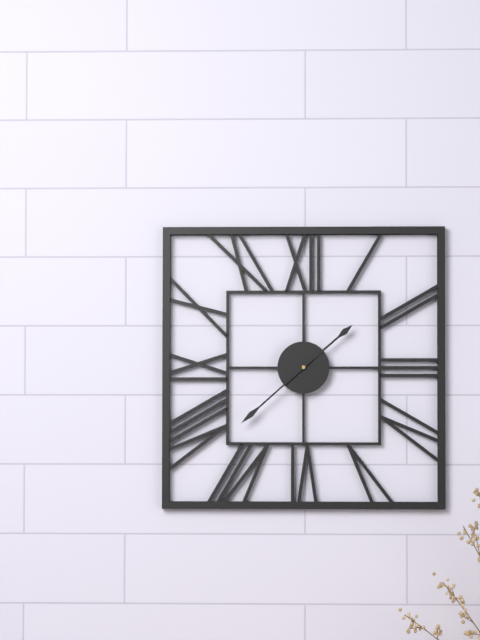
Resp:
1:38
